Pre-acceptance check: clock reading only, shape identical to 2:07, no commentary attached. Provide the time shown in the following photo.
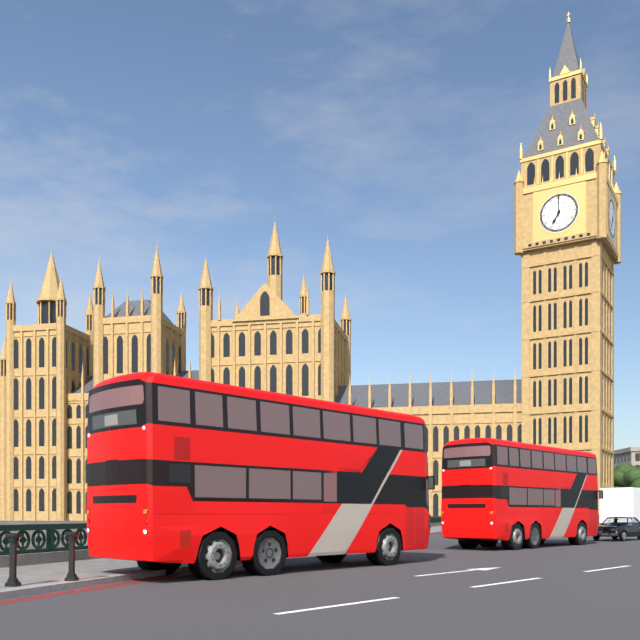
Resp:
7:00
